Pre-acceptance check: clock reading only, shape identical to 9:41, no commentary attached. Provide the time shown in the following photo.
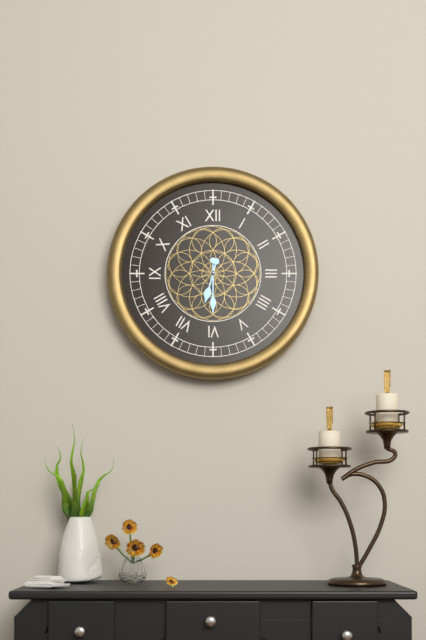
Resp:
6:30
